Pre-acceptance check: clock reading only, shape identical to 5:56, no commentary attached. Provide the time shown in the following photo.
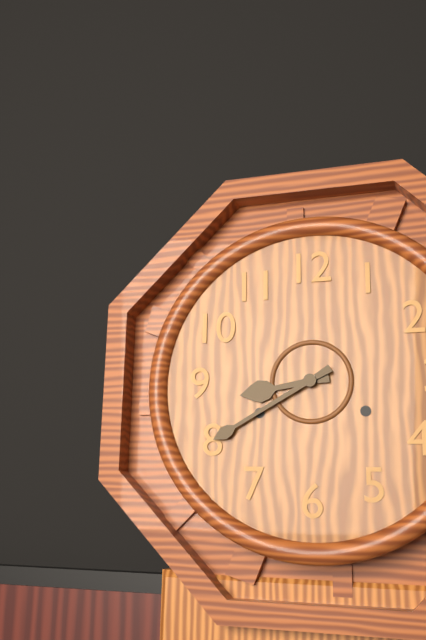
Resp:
8:40
